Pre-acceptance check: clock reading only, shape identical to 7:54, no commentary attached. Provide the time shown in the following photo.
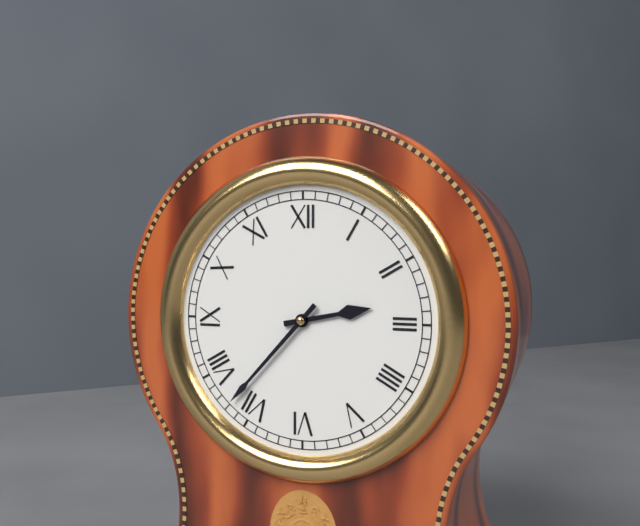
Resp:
2:37
